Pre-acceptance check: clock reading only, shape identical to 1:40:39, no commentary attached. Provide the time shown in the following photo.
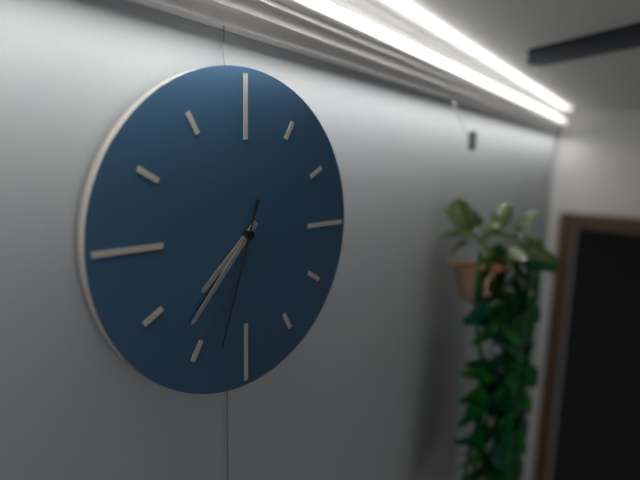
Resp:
7:37:33
